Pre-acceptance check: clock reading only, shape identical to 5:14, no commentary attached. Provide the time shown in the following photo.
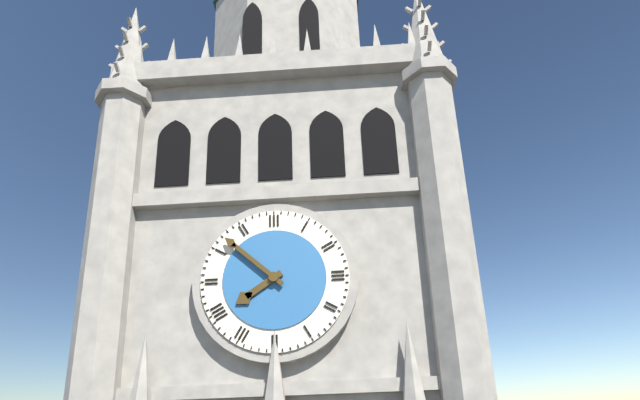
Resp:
7:52
